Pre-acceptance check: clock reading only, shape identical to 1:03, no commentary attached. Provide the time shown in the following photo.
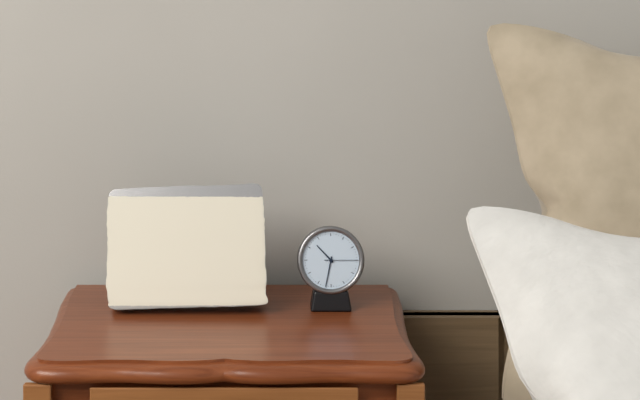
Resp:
10:32
